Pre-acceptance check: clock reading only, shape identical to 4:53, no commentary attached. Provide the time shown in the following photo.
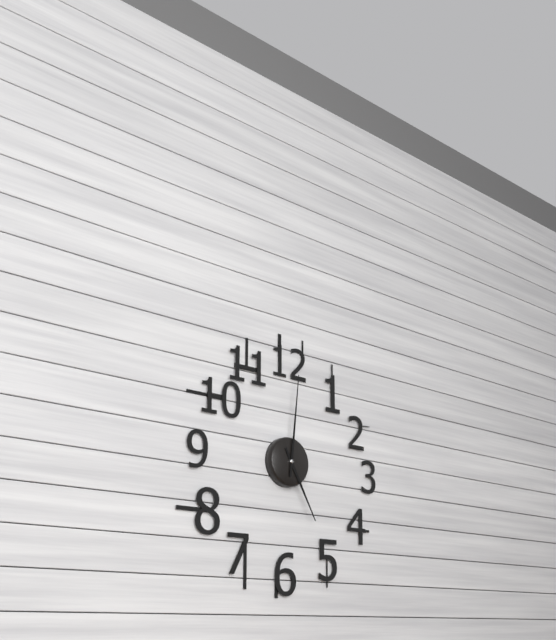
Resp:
5:01
